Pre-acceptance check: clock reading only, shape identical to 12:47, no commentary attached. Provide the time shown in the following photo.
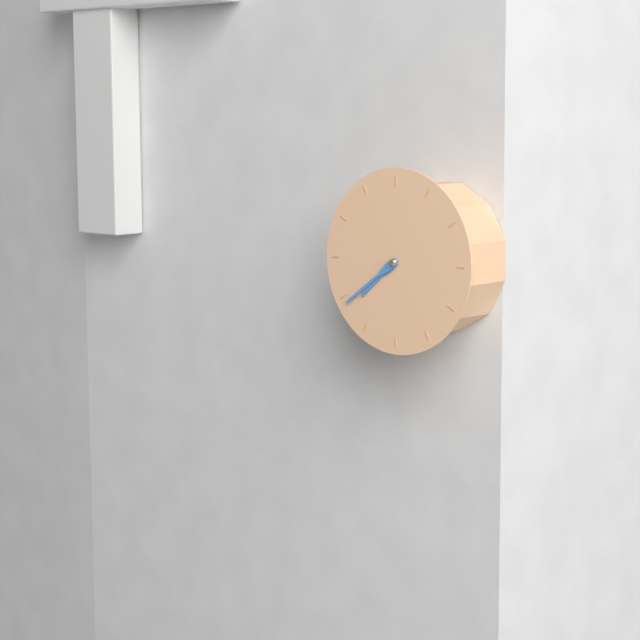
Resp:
7:39
